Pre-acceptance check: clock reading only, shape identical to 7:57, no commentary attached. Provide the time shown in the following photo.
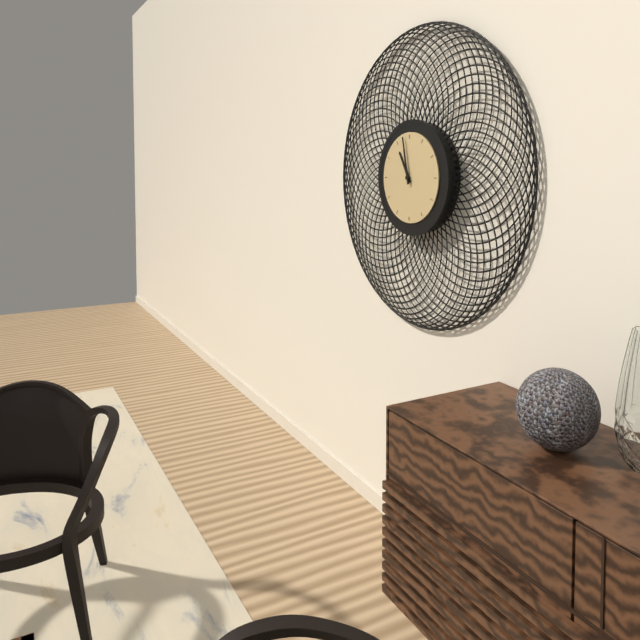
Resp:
10:58
